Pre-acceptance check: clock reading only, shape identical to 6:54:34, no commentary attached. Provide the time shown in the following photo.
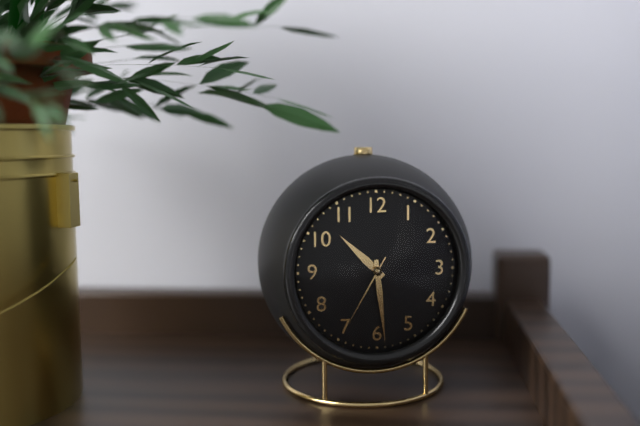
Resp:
10:29:35
